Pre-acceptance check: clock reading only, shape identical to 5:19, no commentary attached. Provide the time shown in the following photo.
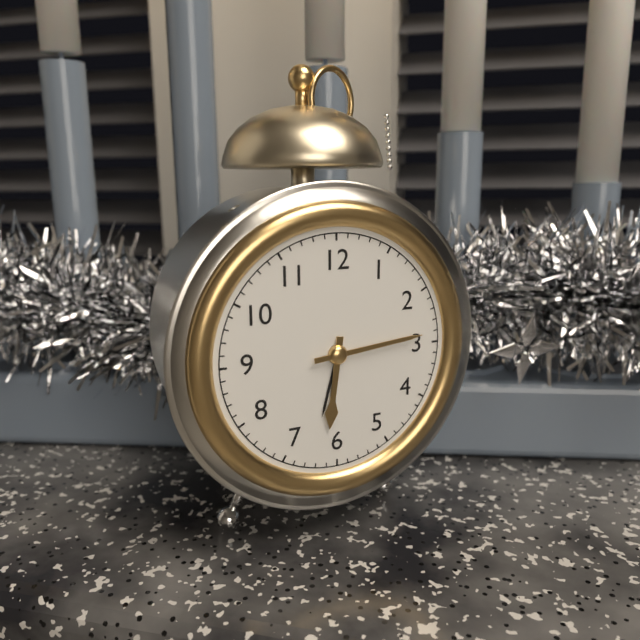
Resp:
6:14
